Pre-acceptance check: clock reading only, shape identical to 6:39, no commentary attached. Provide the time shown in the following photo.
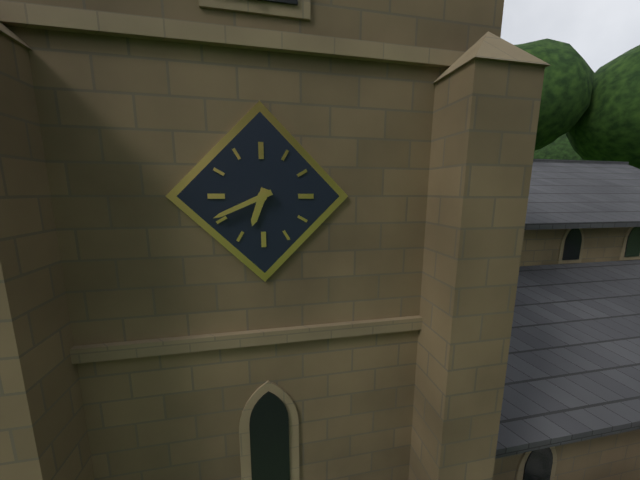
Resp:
6:41
